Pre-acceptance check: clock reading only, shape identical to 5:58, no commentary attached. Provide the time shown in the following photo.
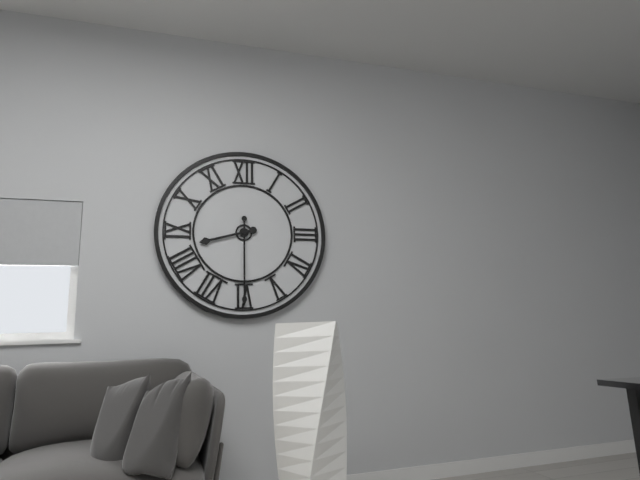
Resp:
8:30
